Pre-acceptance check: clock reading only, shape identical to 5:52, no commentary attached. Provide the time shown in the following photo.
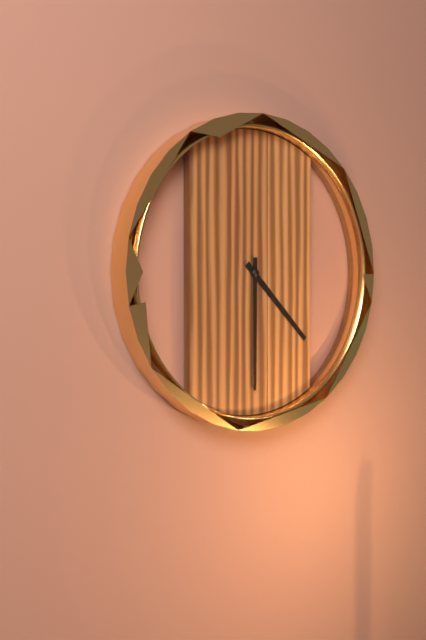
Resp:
4:30
